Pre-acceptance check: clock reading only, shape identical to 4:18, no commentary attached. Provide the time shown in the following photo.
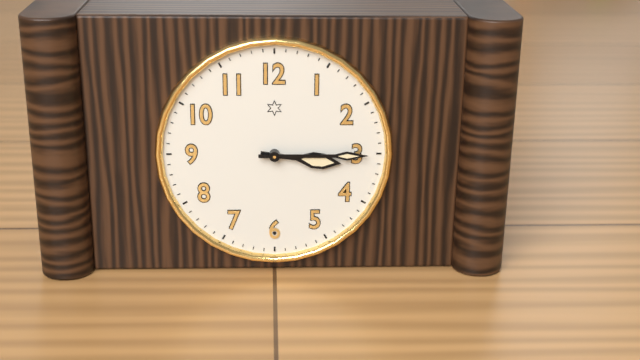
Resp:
3:15
